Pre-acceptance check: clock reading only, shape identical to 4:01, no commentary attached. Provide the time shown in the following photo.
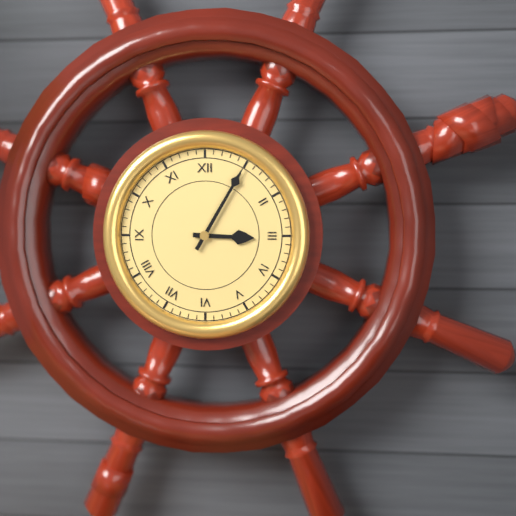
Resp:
3:05
